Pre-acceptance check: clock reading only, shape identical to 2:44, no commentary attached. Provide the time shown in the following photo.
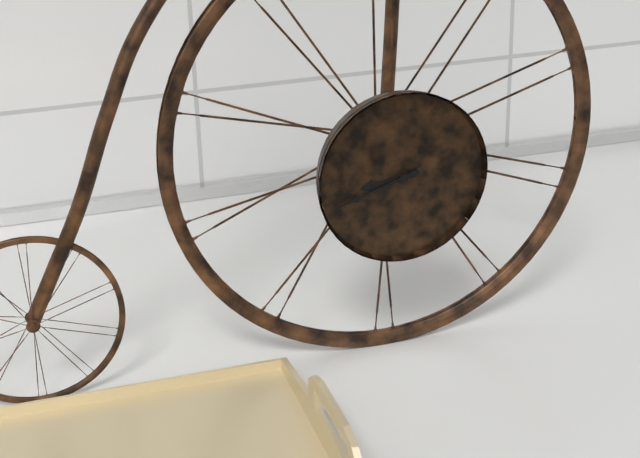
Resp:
8:42
